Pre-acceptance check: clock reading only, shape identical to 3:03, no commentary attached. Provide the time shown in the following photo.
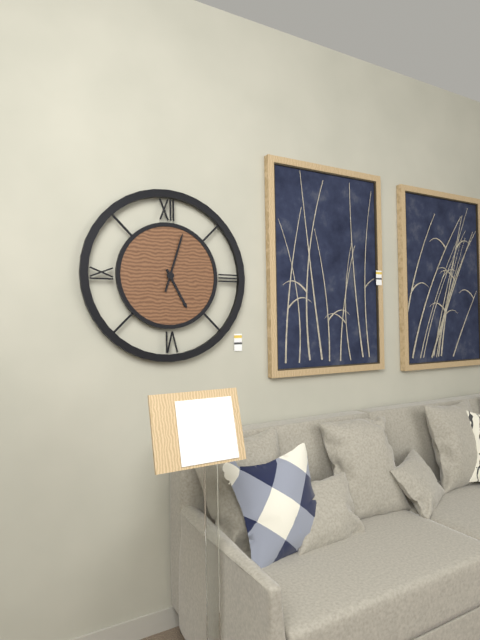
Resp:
5:03
